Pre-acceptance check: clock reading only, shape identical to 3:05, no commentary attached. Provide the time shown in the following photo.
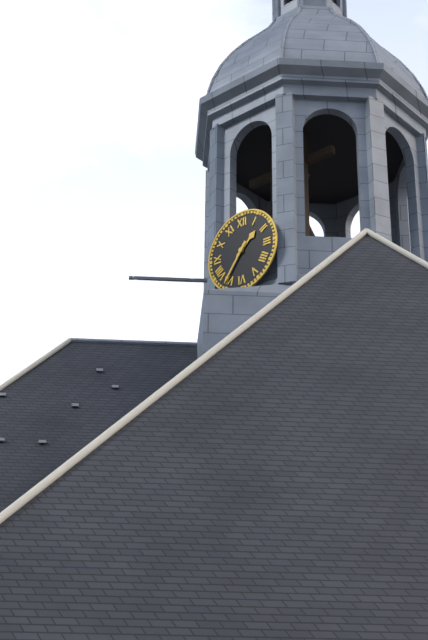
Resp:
1:36
